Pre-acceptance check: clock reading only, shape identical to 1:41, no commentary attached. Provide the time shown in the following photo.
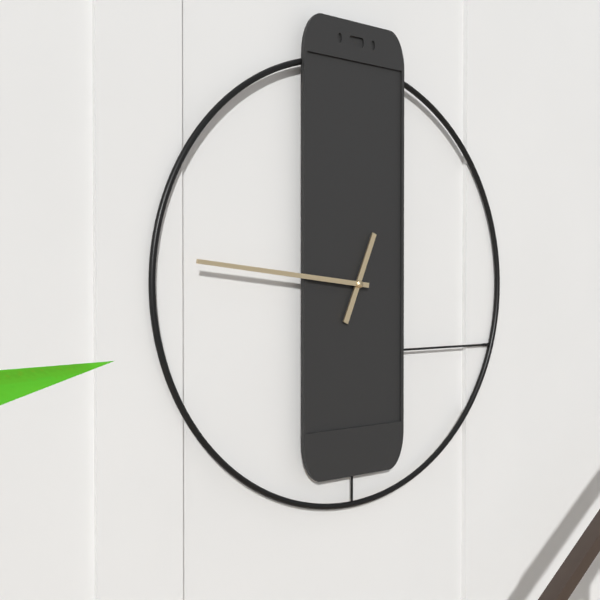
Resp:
12:46
